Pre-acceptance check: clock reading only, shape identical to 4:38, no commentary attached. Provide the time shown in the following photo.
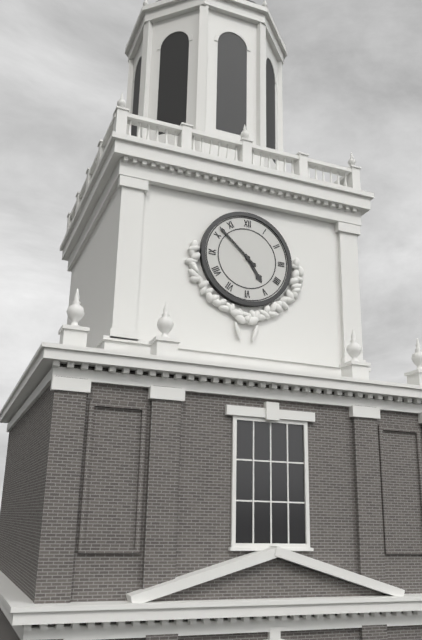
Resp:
4:52
